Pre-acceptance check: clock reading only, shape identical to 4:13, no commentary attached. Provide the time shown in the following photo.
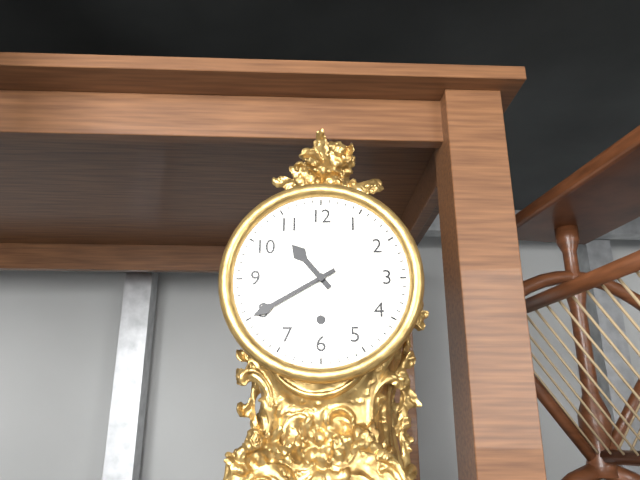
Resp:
10:40
